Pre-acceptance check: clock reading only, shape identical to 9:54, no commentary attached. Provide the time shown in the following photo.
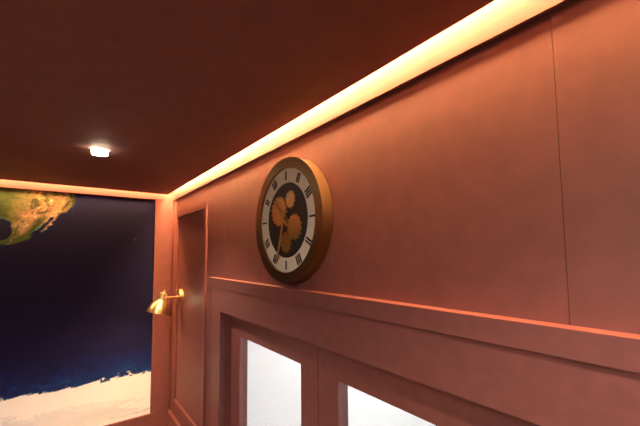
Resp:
10:33
